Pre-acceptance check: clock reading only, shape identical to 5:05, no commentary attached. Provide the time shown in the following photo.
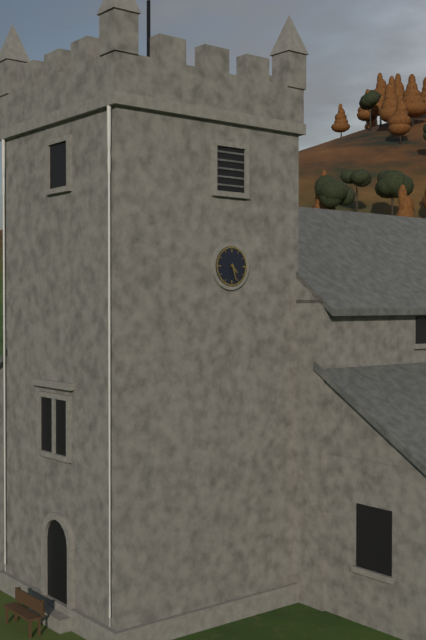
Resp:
4:27
